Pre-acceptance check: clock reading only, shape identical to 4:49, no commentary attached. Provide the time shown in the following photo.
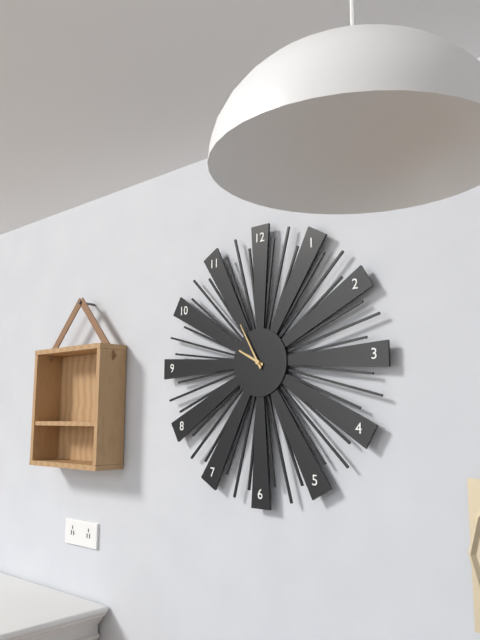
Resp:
9:55
